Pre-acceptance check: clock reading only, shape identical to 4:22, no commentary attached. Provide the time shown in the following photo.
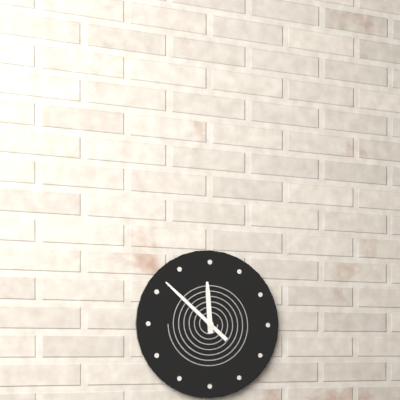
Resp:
11:52
